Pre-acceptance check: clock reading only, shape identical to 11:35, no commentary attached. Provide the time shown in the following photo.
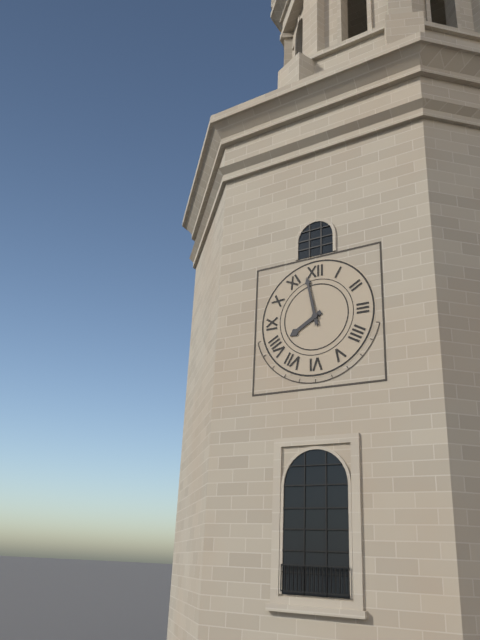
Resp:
7:58
